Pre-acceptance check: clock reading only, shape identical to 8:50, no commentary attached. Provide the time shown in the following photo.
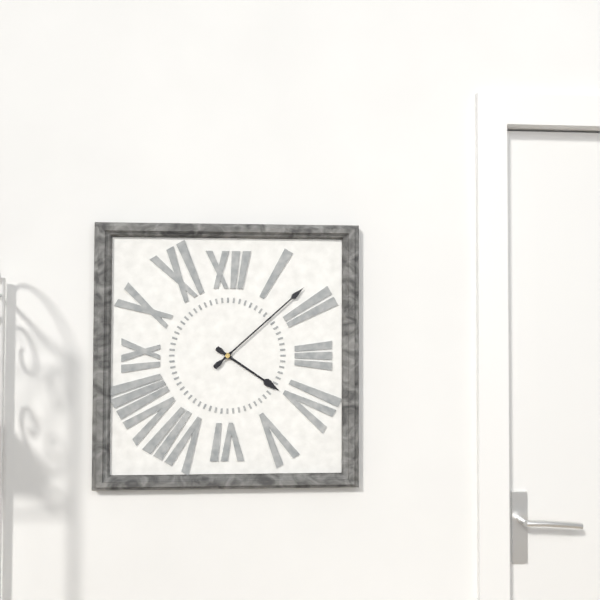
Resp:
4:08
